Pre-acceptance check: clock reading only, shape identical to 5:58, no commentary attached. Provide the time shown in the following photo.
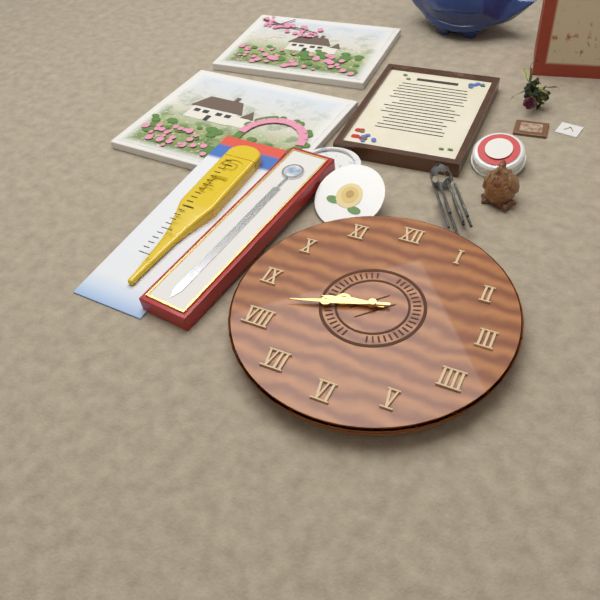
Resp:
8:42
